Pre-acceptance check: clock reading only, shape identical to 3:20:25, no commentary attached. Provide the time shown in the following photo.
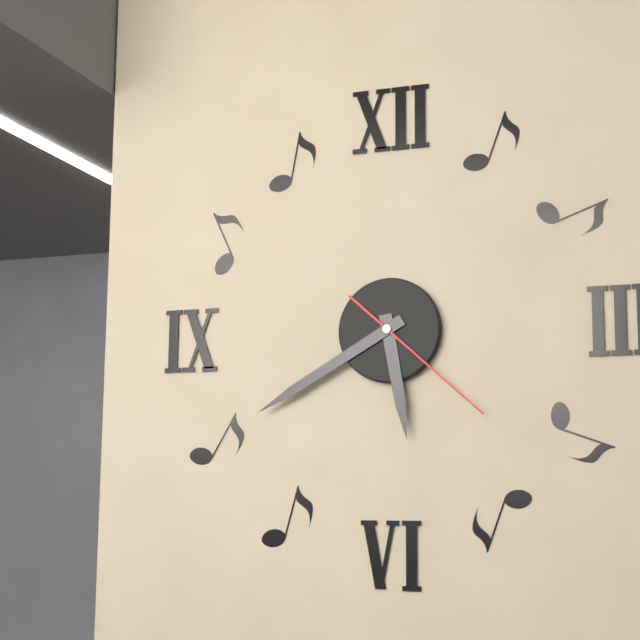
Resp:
5:40:22
